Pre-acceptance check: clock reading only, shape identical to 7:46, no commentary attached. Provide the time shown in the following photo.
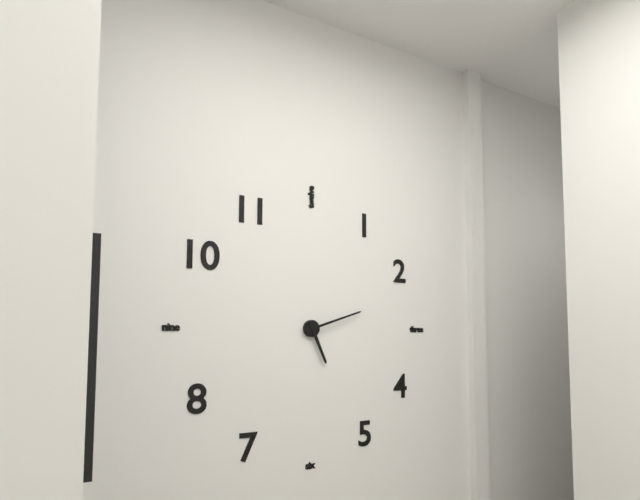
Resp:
5:12
